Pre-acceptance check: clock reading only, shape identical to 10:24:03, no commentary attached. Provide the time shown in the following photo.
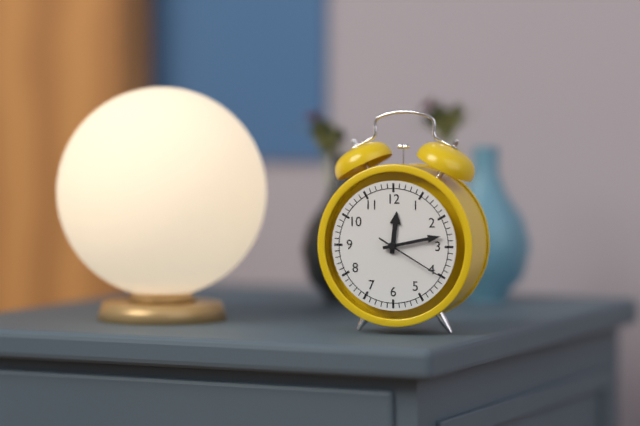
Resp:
12:13:20
